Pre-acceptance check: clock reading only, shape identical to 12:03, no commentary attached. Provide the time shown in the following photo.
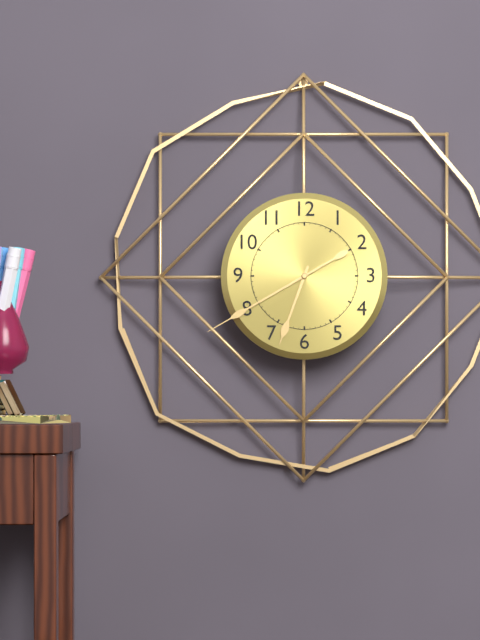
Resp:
6:40
